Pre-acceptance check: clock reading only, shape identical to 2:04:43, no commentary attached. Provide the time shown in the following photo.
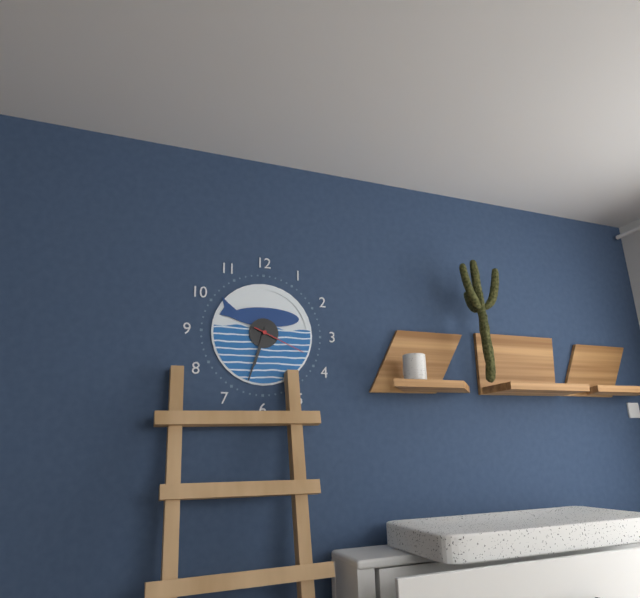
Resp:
6:33:19
